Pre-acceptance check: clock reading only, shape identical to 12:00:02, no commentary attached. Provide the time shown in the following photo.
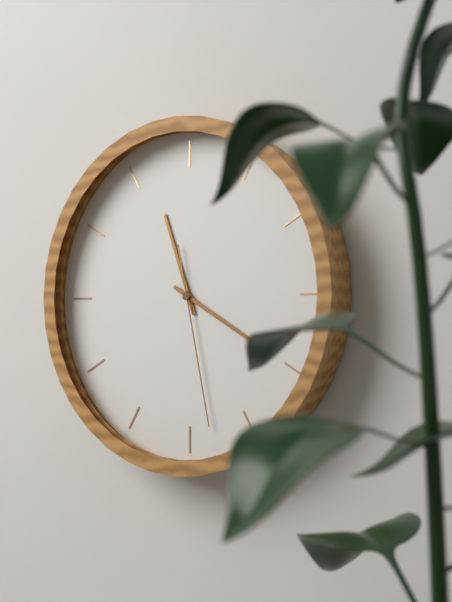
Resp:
11:20:28
